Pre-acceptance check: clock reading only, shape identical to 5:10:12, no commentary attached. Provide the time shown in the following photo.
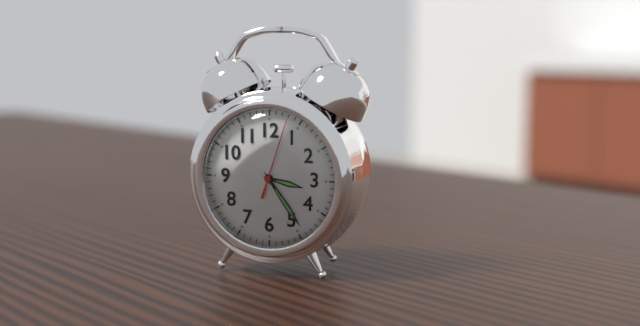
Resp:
3:24:03
